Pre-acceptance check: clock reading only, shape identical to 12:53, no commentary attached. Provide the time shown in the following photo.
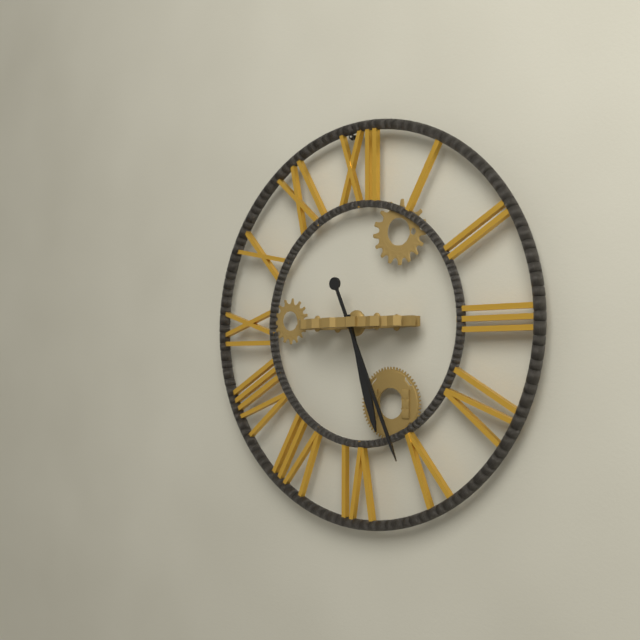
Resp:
5:26
